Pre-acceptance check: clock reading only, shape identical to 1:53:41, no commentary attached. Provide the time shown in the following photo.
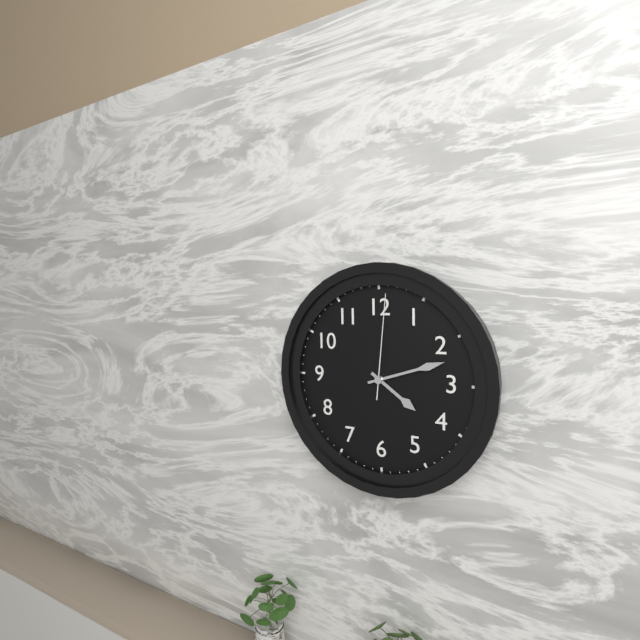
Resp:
4:12:01
